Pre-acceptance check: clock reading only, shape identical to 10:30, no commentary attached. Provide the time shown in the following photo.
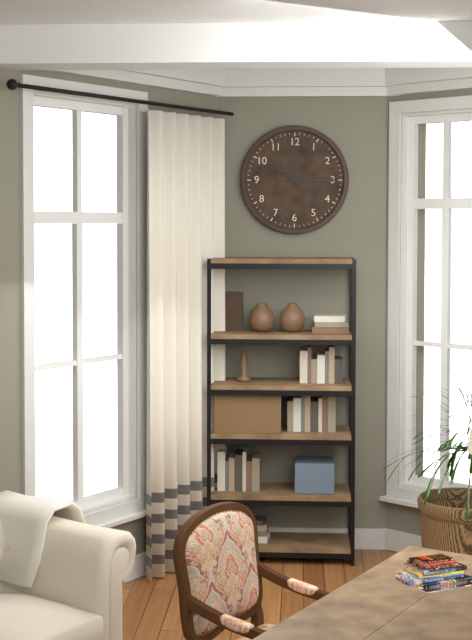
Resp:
10:15
